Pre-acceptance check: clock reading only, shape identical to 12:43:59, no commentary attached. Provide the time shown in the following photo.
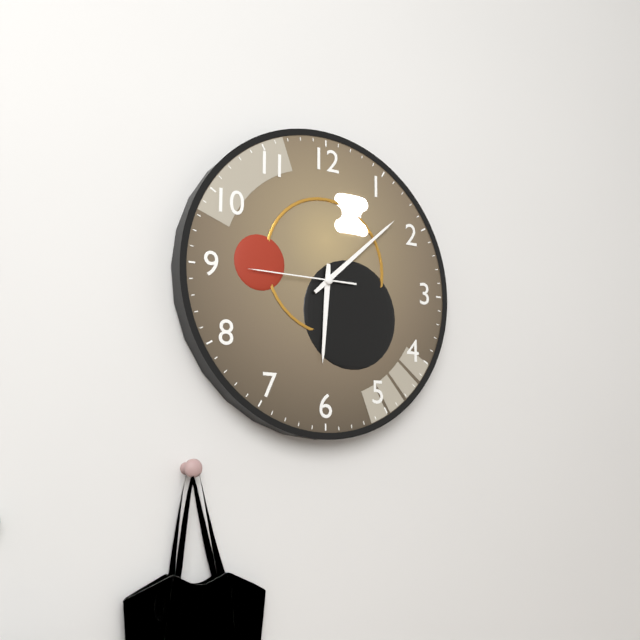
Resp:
6:08:45
